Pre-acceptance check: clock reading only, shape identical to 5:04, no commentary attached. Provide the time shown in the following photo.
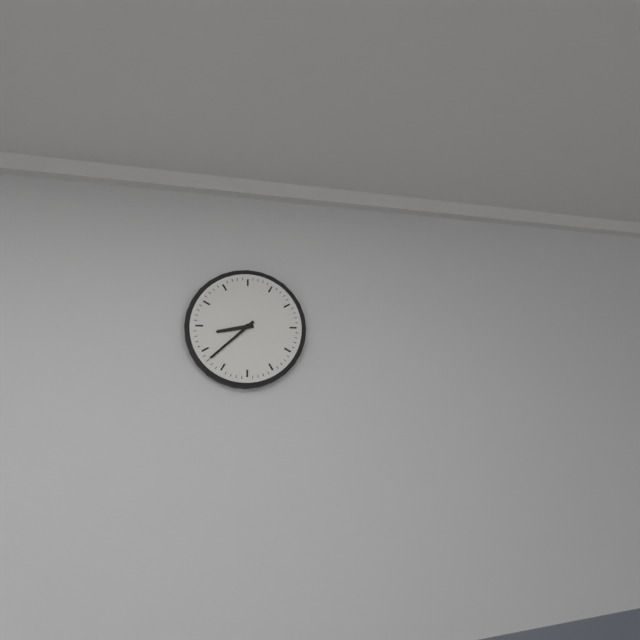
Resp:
8:38
